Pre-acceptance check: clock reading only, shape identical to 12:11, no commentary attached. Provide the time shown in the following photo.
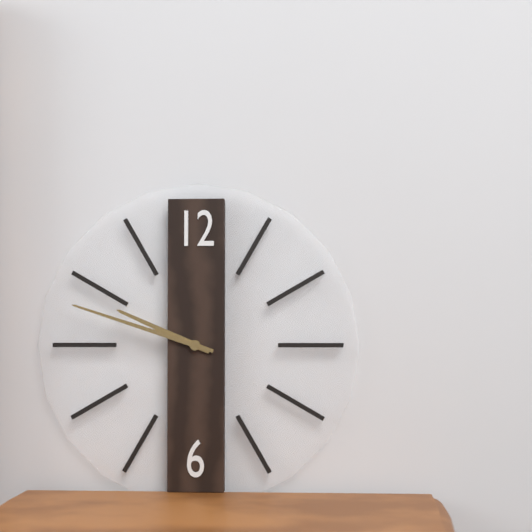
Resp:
9:48
